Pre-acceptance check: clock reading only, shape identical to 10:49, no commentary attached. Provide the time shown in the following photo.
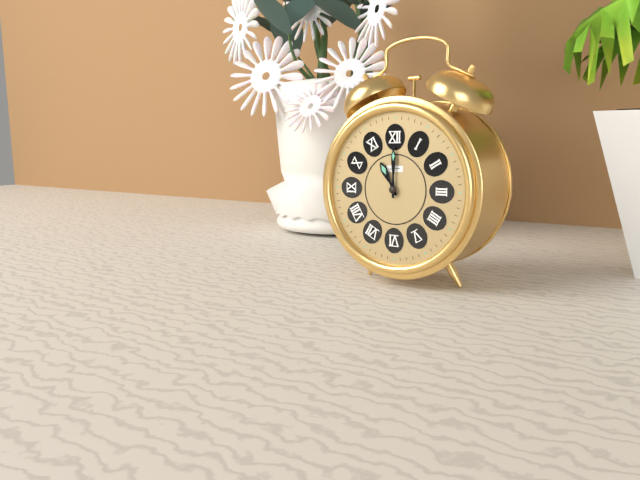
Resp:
11:00
